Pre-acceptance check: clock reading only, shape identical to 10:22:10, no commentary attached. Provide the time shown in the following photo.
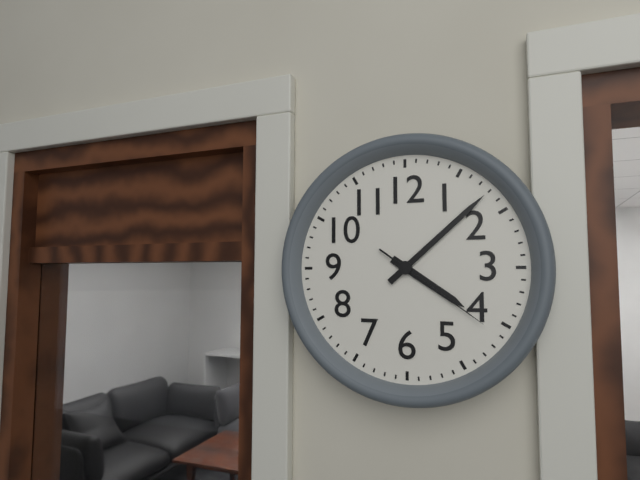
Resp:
4:08:21
